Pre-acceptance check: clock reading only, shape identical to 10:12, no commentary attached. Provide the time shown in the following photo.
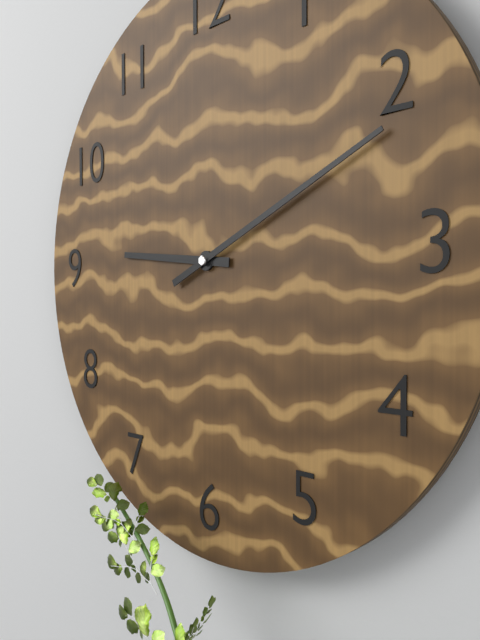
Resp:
9:11
